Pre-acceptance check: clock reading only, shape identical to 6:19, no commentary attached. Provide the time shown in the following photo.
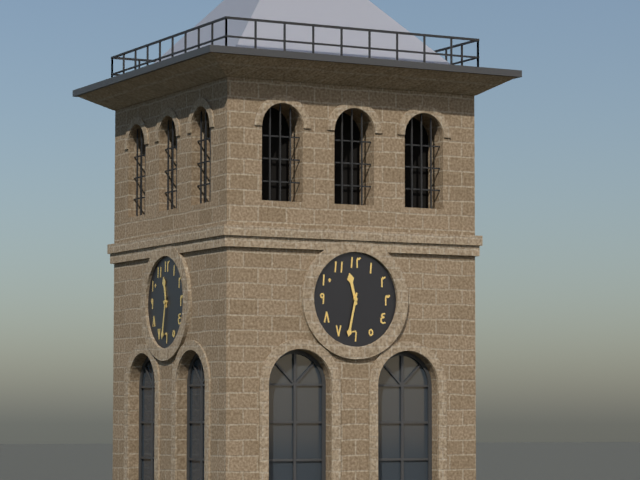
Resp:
11:32
